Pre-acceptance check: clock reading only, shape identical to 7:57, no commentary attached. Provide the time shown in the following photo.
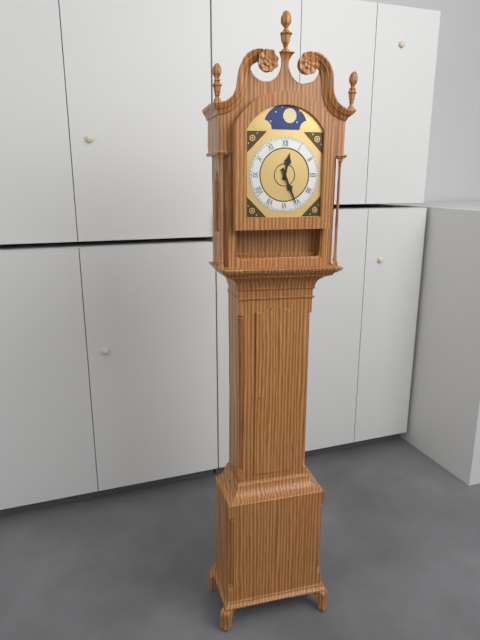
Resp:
12:26
